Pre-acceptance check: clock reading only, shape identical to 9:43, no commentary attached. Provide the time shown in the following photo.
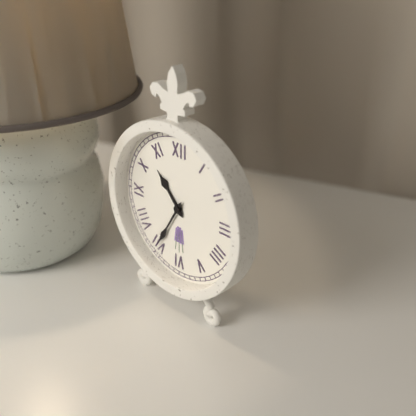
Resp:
10:35
